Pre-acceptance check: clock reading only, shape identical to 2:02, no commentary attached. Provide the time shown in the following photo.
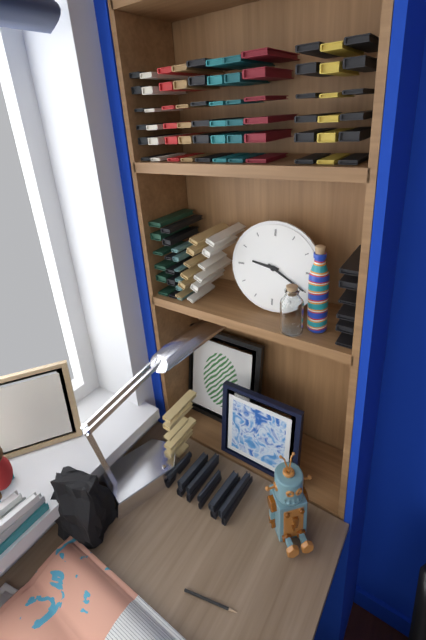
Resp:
9:20
